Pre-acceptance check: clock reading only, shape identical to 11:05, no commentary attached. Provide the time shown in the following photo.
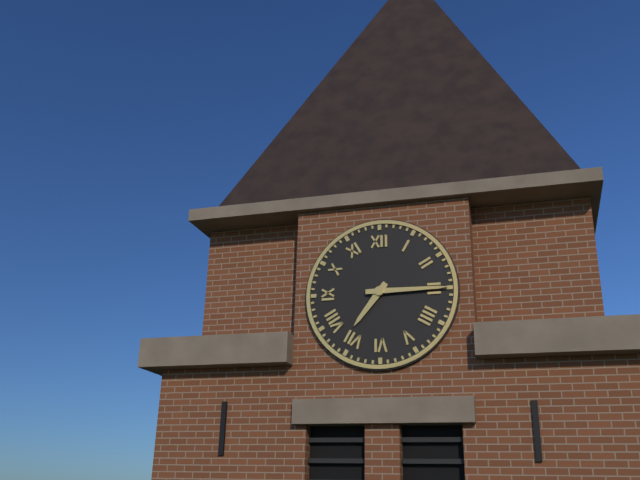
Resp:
7:15
